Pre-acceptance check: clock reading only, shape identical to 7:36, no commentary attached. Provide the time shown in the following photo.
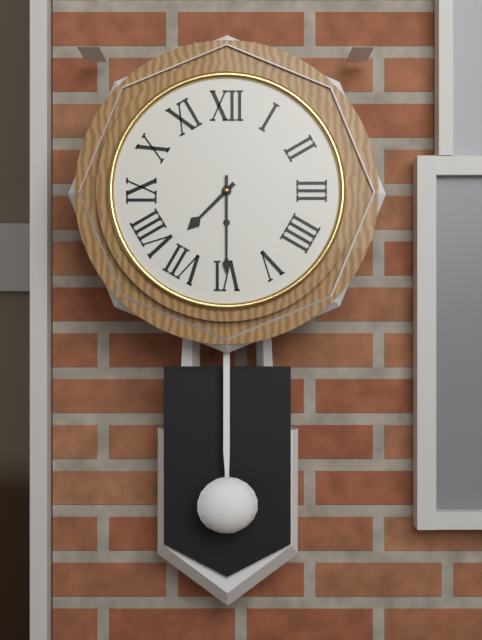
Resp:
7:30
